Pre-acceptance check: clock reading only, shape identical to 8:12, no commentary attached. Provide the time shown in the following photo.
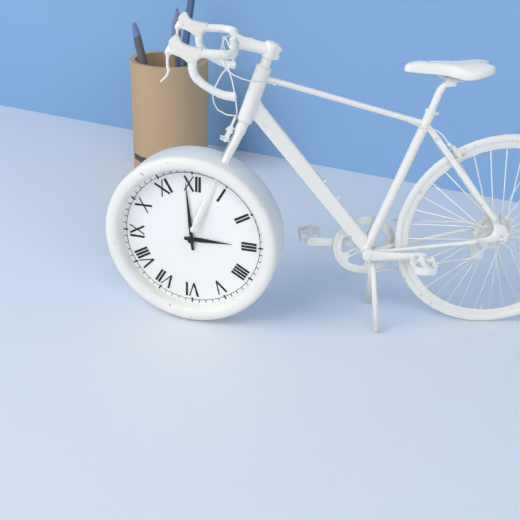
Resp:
2:59
